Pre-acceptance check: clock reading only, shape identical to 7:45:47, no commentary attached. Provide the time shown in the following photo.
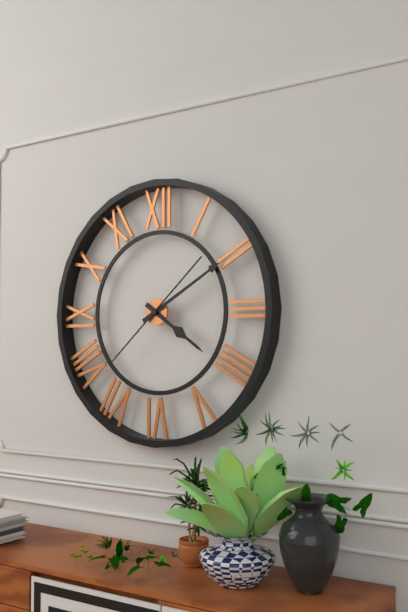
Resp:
4:10:38
